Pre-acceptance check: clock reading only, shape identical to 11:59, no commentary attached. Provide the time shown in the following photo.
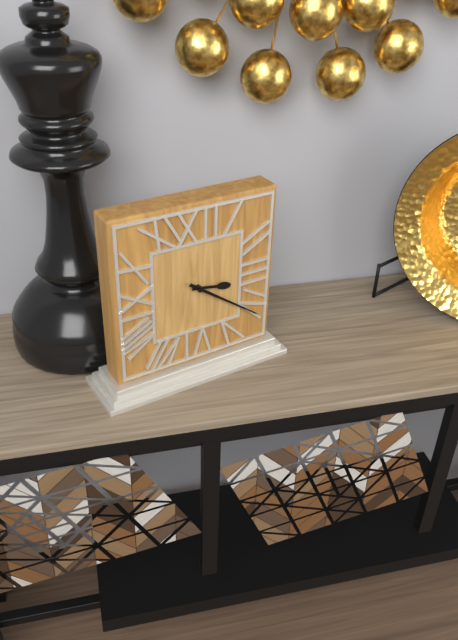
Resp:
3:21
